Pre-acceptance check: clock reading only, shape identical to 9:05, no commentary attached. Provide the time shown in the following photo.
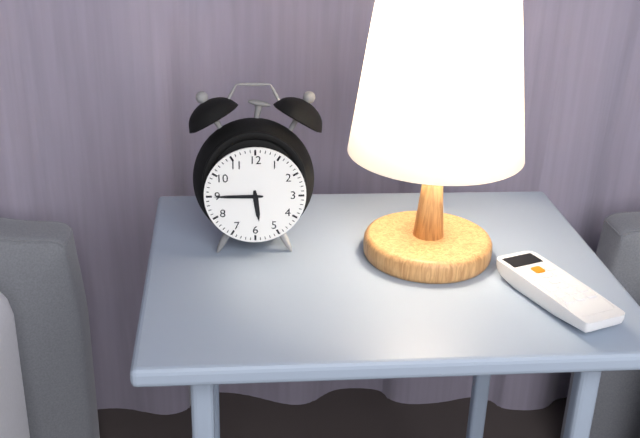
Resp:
5:45
